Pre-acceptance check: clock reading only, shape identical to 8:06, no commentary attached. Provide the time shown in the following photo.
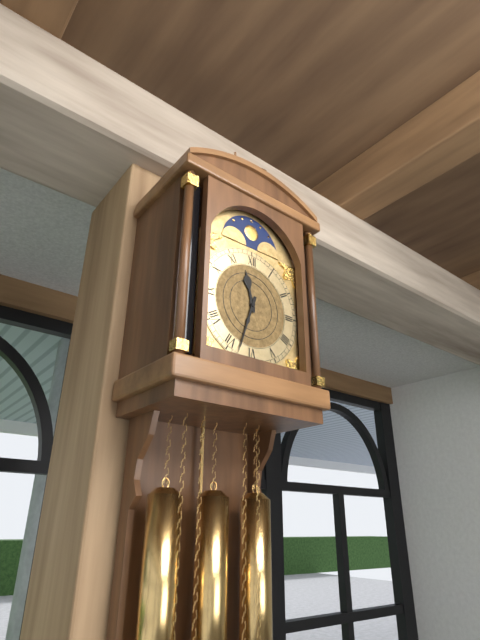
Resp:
11:33
